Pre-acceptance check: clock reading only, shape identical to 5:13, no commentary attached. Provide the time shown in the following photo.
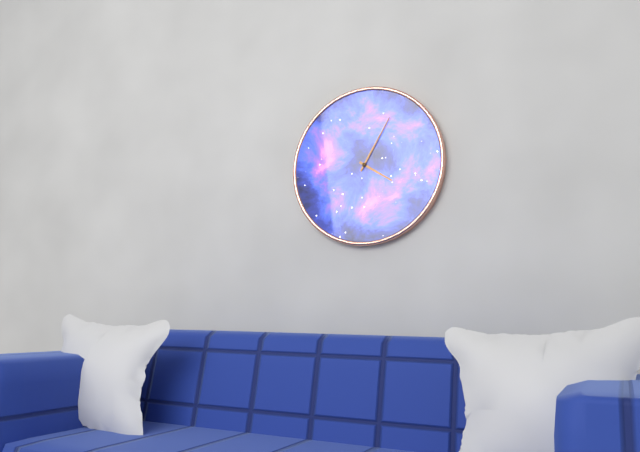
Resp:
4:05
